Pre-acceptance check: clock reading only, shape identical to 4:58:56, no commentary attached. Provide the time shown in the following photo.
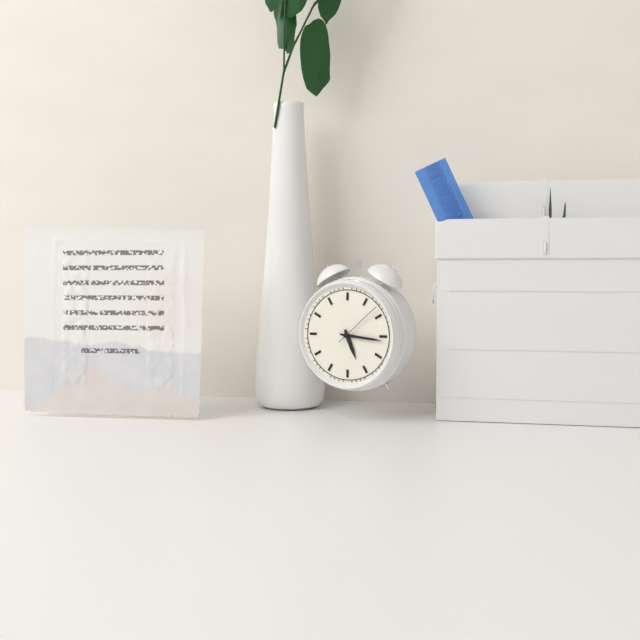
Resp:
5:16:08
